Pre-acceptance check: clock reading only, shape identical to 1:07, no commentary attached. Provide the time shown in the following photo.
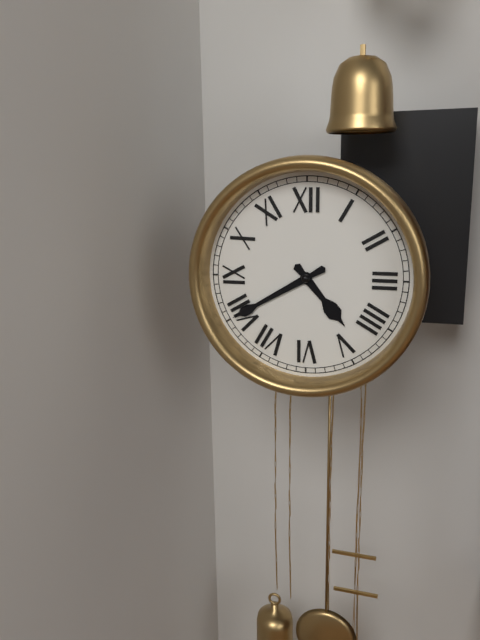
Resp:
4:40
